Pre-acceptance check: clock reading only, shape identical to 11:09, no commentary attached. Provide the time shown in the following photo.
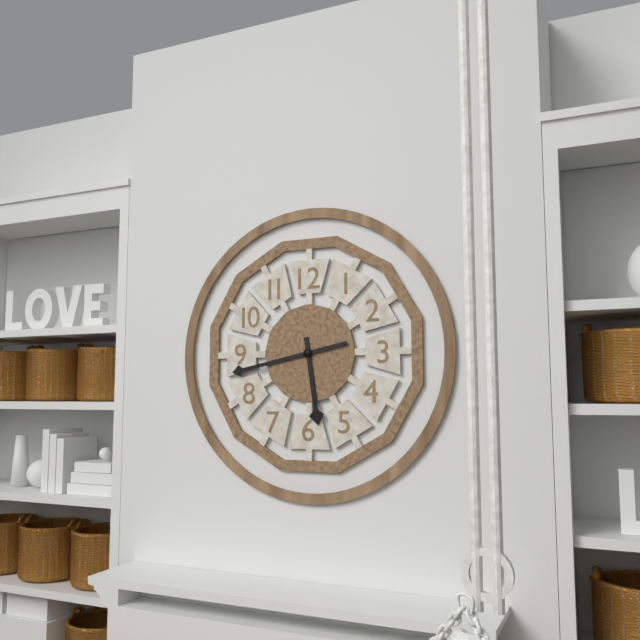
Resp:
5:43
